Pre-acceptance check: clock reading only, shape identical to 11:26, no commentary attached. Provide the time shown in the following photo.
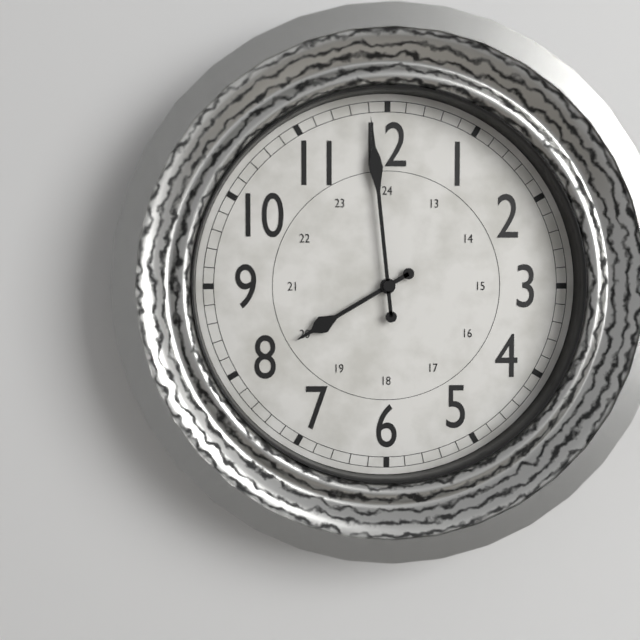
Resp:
7:59
